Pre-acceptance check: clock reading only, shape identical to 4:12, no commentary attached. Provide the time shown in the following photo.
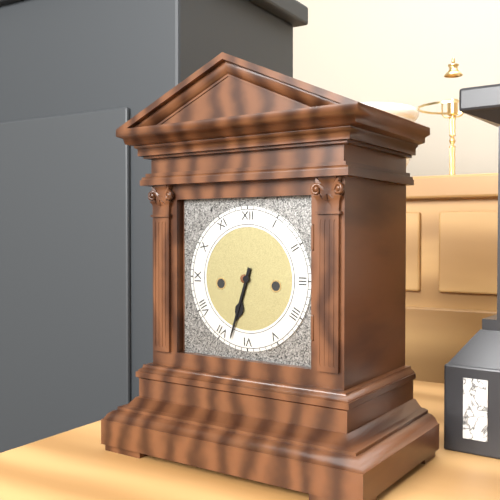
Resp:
6:33
